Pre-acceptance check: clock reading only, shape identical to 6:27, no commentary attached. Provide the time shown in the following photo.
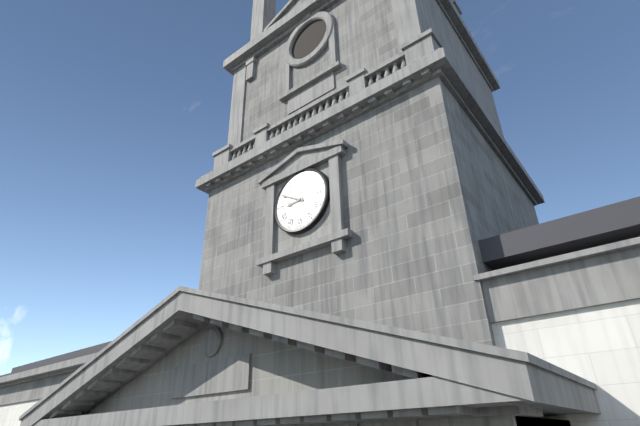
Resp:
8:50
